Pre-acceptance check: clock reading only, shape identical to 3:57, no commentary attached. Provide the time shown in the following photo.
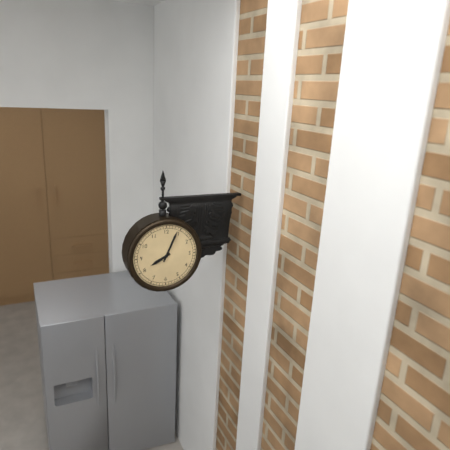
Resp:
8:04
